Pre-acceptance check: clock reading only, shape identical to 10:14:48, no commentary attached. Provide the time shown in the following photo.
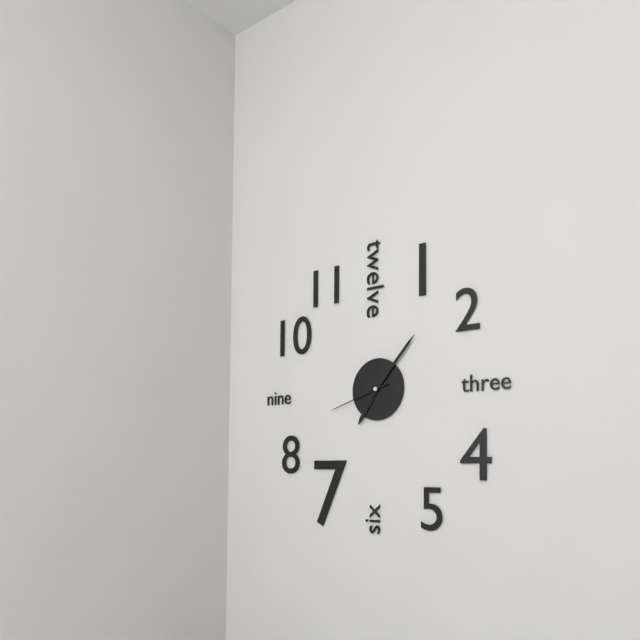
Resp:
7:07:42
